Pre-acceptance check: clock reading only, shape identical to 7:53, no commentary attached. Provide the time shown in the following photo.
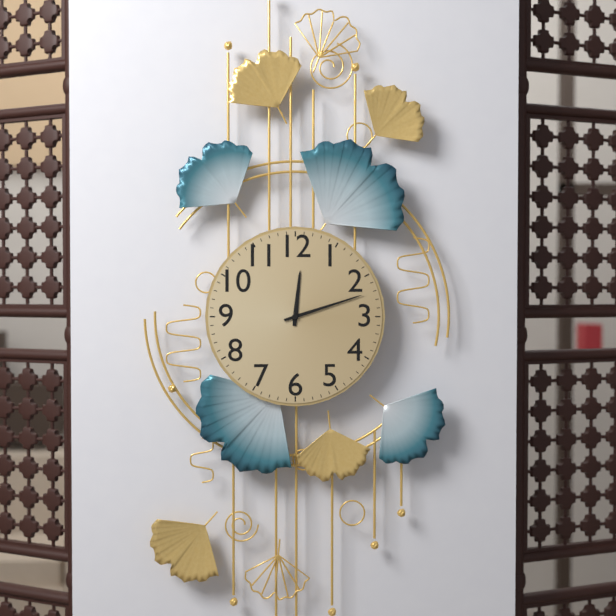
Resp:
12:12
